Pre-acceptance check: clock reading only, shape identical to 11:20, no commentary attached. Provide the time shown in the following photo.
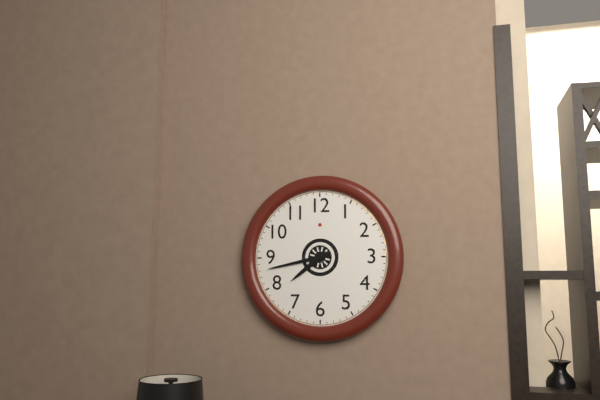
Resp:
7:43
